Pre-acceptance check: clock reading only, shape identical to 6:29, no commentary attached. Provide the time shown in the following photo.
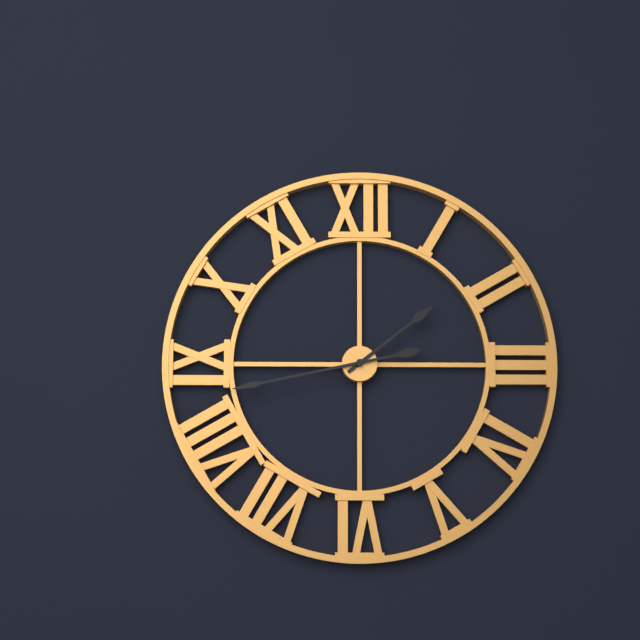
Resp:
1:43
